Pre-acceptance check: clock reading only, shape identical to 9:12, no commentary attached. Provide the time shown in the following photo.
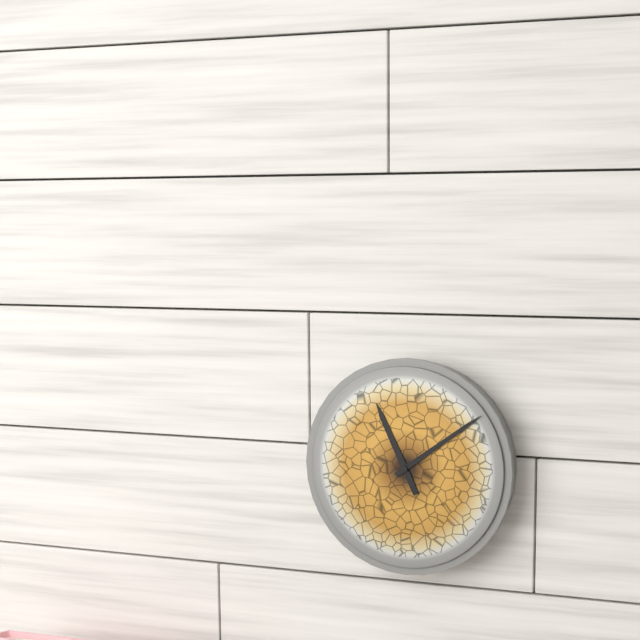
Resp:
11:09
